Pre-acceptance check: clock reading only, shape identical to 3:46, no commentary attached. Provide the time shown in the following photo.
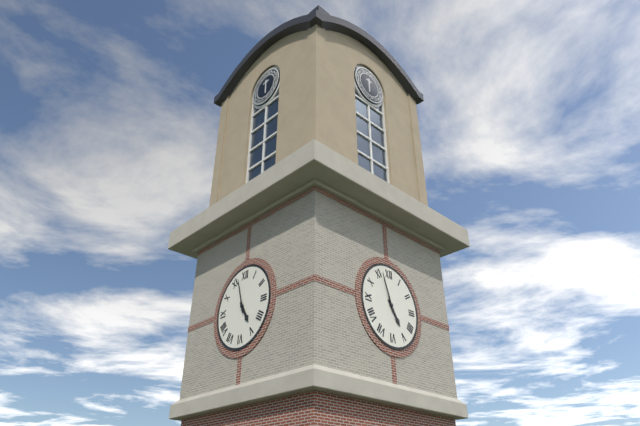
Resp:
4:57
